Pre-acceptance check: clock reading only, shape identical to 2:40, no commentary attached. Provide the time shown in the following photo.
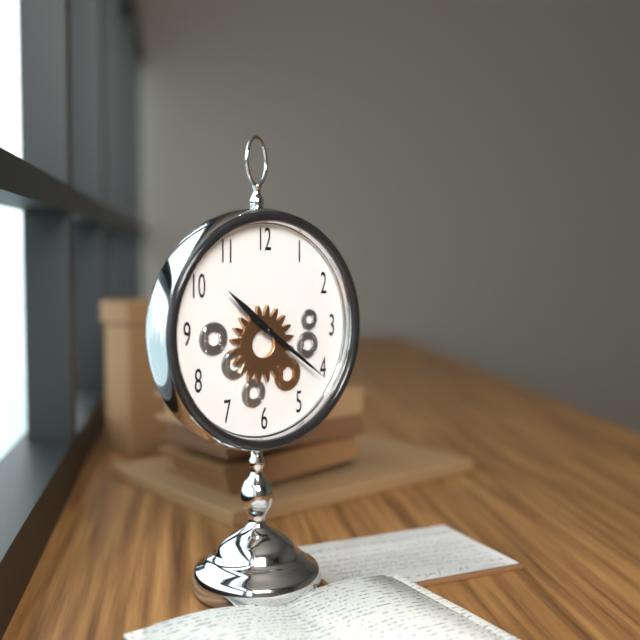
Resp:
10:21
